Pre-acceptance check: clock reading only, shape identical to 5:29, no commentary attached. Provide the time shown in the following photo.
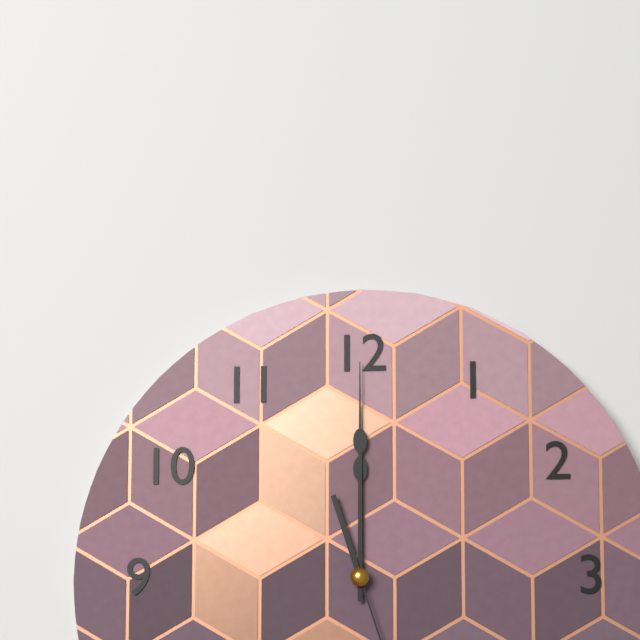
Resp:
12:00
